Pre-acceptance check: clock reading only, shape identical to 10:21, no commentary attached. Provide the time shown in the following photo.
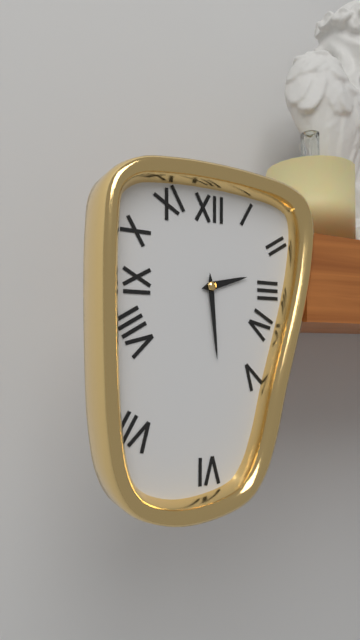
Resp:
2:29
